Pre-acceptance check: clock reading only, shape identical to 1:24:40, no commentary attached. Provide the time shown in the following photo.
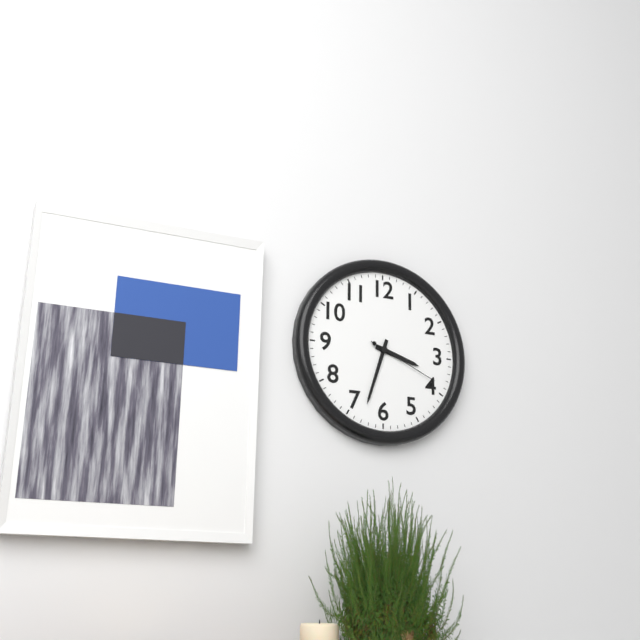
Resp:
3:33:19
